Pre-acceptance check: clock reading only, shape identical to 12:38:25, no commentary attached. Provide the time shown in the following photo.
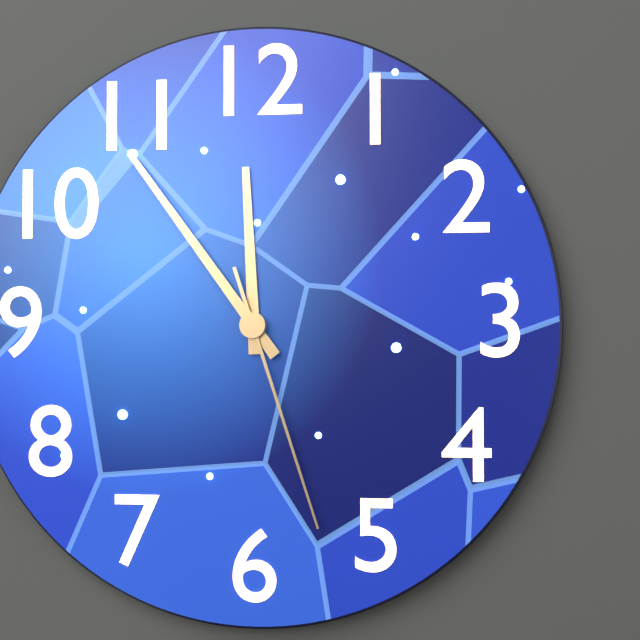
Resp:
11:54:27
